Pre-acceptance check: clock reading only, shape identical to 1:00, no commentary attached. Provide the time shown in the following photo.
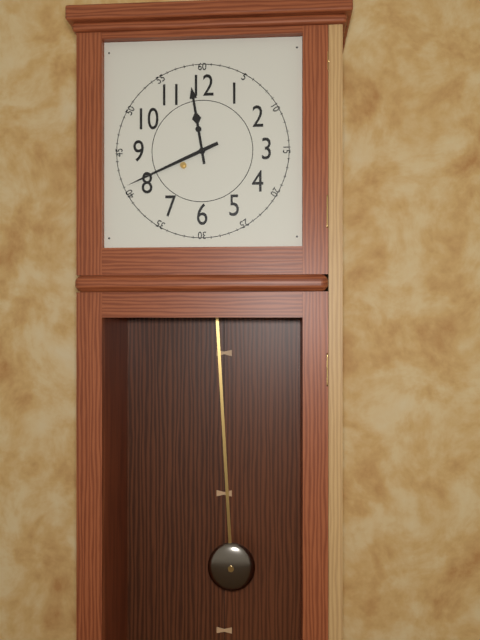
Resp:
11:41
